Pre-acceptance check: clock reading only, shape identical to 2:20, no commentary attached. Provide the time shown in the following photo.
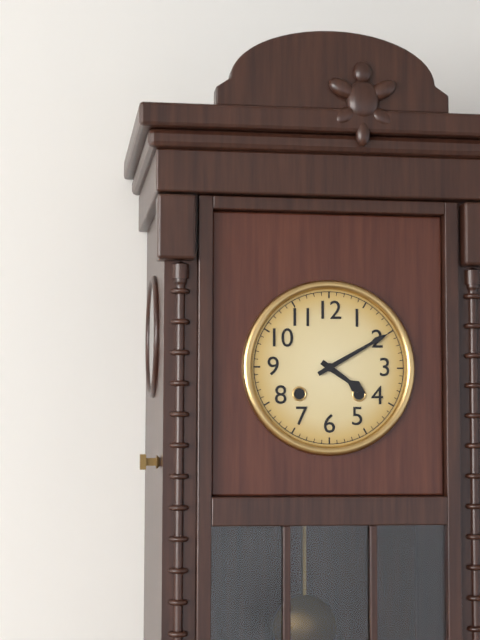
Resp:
4:10
